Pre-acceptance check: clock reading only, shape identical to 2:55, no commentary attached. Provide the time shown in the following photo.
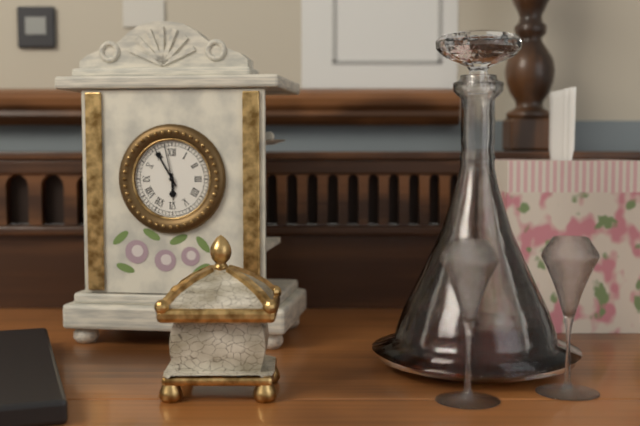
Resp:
5:55
